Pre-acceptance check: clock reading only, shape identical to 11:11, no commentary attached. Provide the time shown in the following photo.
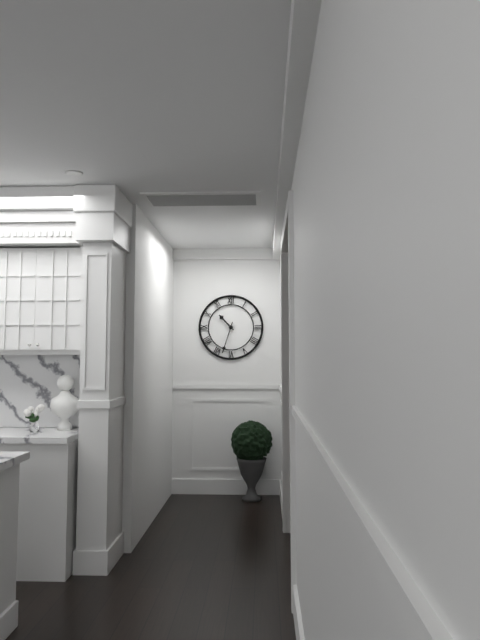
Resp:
10:33
